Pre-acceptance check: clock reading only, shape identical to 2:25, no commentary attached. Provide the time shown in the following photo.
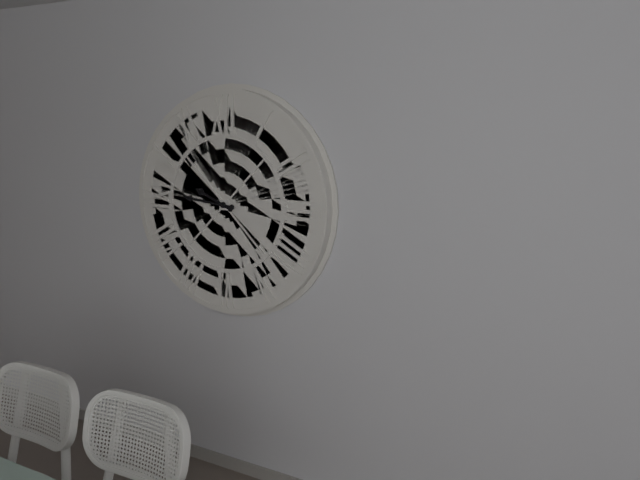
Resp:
9:46
